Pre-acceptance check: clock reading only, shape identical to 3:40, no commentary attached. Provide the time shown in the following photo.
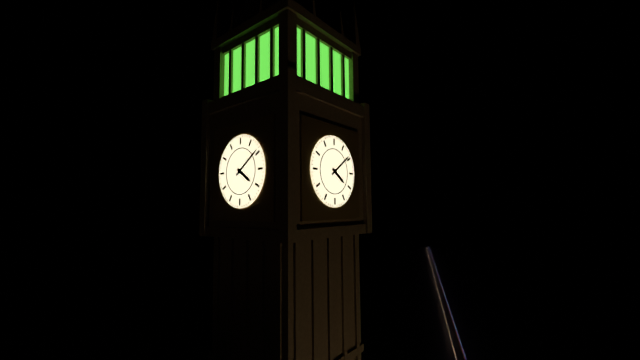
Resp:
4:09
